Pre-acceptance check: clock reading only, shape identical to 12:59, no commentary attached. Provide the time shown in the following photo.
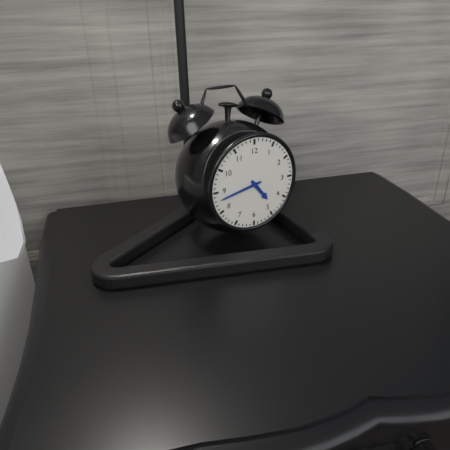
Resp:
4:43
